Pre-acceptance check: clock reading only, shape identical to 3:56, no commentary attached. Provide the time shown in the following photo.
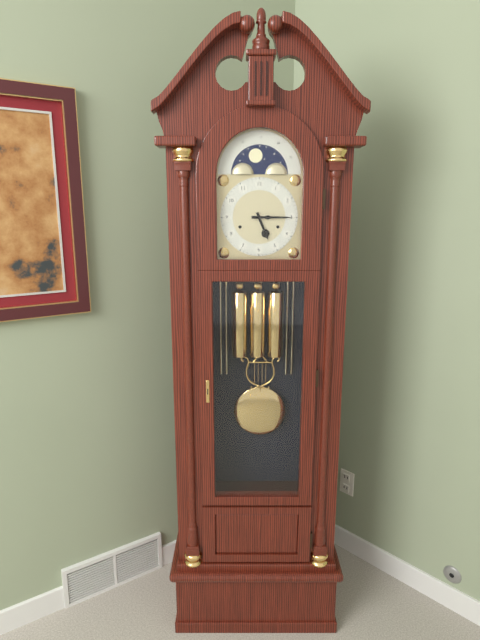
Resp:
5:15
